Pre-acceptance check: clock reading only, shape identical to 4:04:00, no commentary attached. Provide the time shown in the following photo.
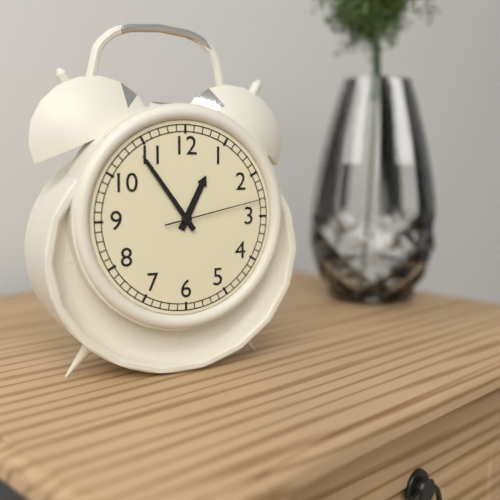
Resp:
12:54:13
